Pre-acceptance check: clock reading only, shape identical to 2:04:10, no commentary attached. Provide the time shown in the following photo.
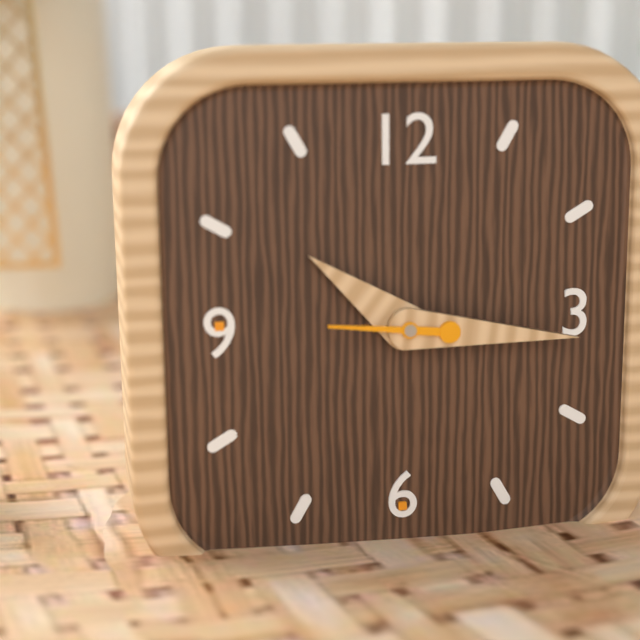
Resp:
10:16:46
